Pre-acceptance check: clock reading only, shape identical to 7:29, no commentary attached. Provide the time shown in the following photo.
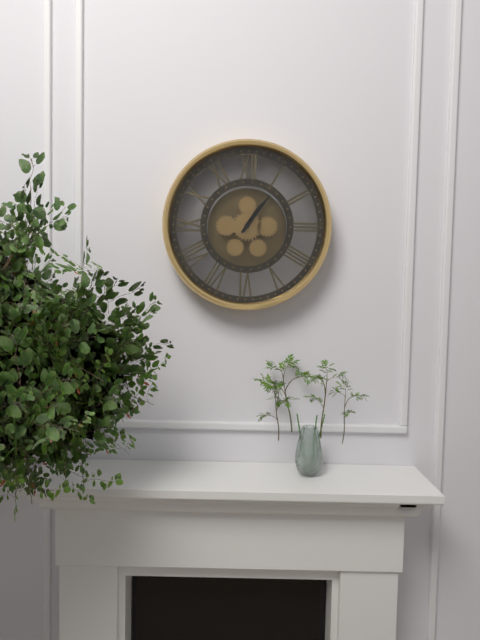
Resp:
1:06
